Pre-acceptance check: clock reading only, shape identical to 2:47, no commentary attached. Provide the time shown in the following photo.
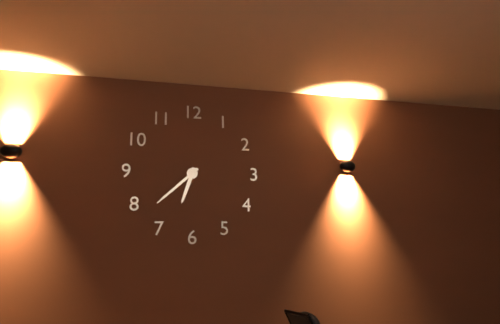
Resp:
6:38
